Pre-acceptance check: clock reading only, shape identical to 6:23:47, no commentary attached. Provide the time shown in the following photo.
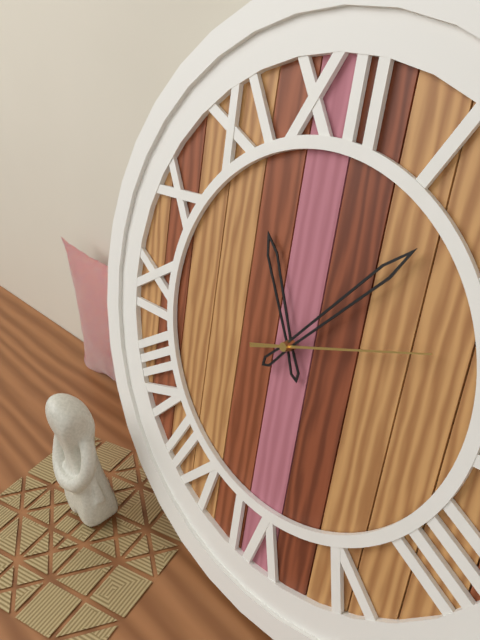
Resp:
11:07:12
